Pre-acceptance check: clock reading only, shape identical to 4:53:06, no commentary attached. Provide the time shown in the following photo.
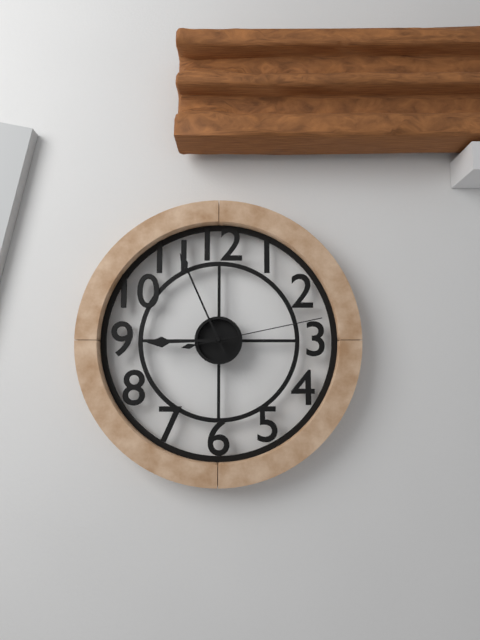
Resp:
8:56:13
